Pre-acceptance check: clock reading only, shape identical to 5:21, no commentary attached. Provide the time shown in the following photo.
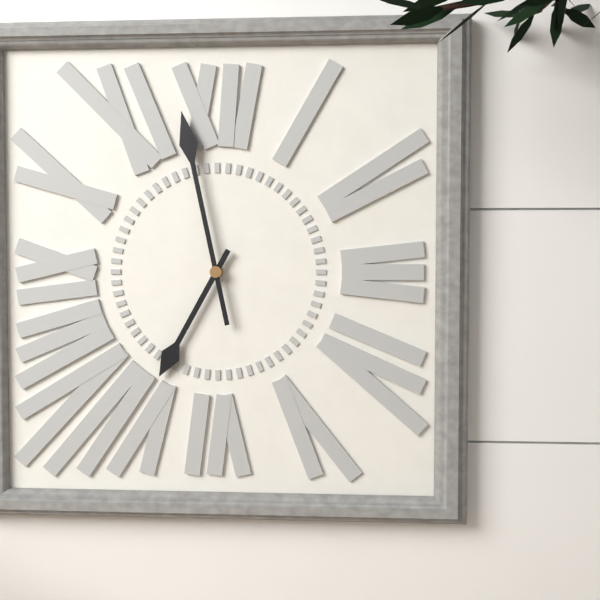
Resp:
6:58
